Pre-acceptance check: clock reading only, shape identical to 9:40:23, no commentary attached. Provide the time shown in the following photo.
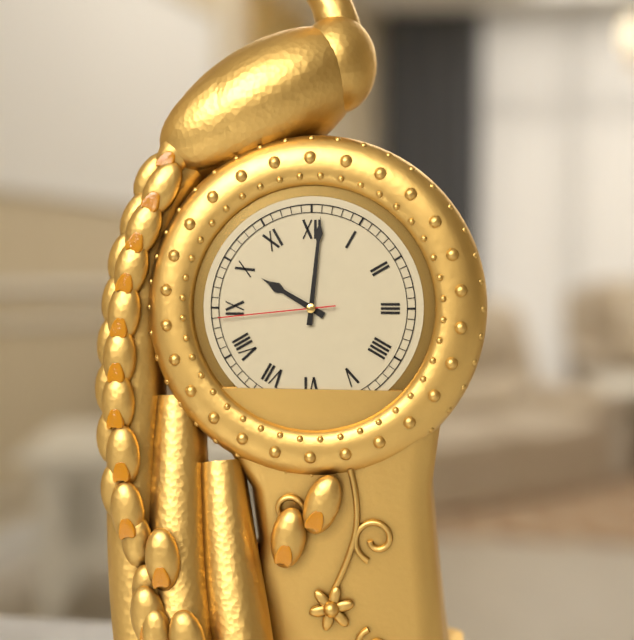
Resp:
10:01:44
